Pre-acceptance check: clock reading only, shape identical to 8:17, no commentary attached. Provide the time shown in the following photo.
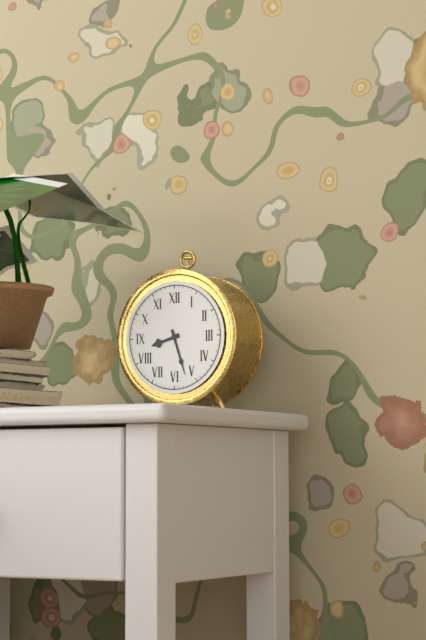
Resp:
8:27
